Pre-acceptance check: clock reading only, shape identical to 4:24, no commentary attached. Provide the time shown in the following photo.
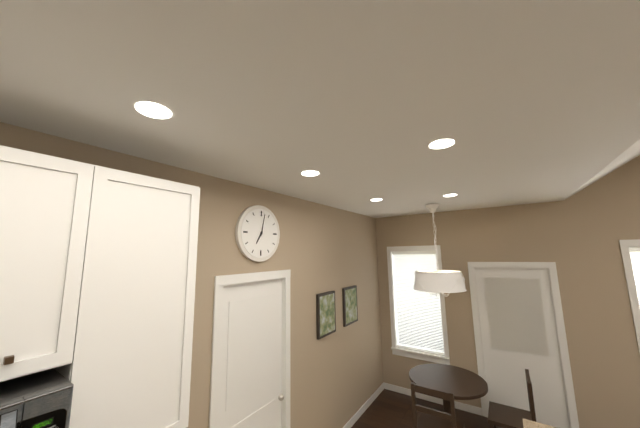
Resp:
7:02
